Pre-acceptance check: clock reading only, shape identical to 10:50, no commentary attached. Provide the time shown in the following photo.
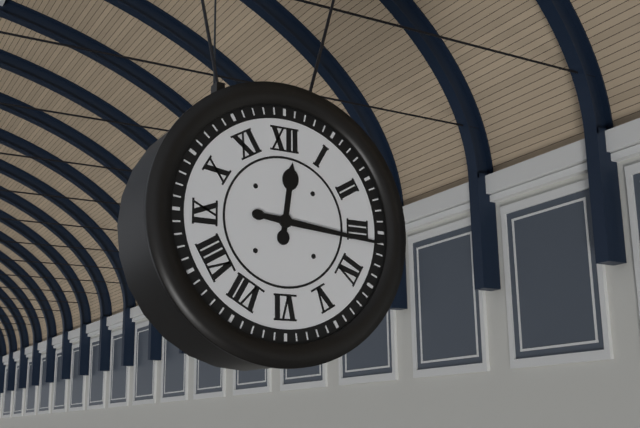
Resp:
12:16
